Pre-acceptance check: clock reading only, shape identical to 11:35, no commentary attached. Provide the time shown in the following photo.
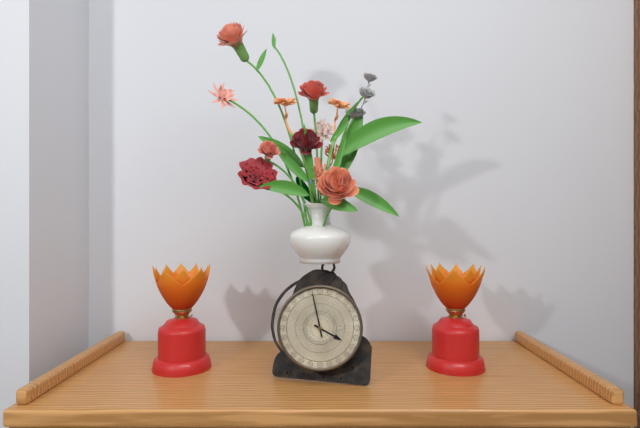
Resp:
3:58
